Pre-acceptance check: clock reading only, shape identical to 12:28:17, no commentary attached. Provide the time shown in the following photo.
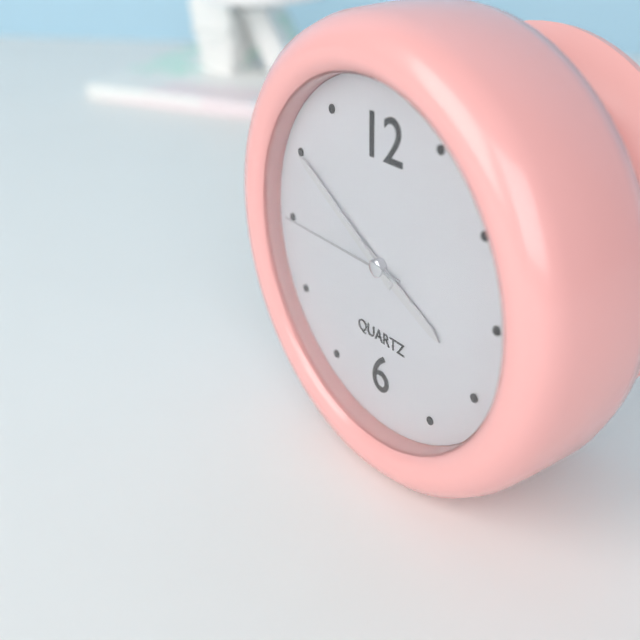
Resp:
3:50:45
